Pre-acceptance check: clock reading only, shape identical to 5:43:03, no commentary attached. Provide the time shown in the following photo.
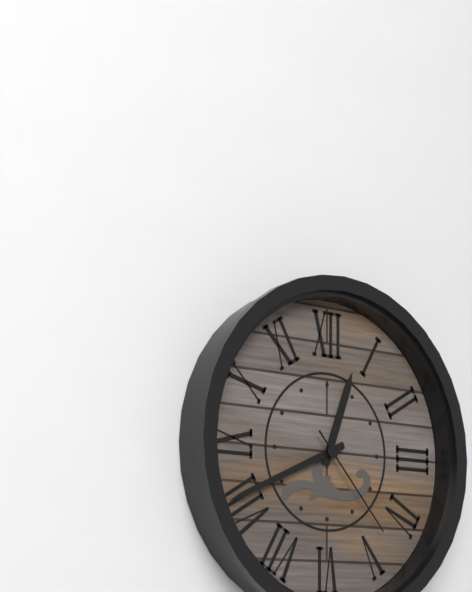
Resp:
12:41:23
